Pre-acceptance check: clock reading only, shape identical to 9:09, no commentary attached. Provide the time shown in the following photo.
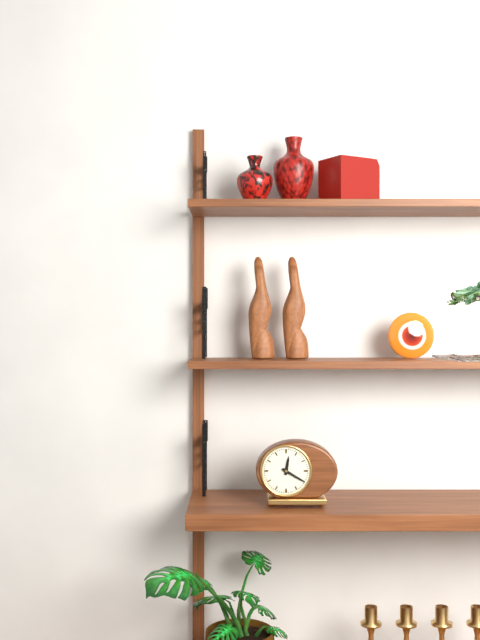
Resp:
12:20
